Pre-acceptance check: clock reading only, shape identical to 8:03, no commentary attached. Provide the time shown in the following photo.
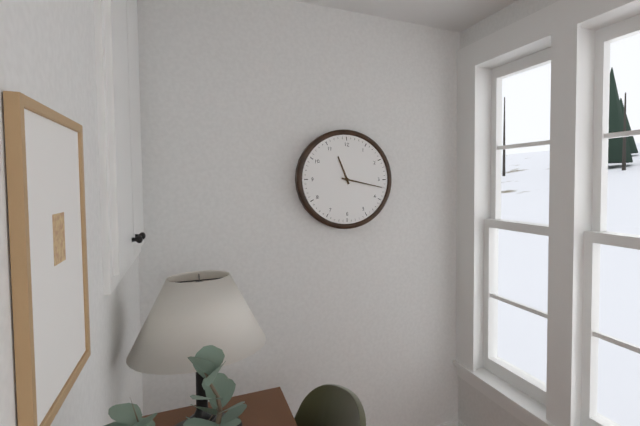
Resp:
11:17
